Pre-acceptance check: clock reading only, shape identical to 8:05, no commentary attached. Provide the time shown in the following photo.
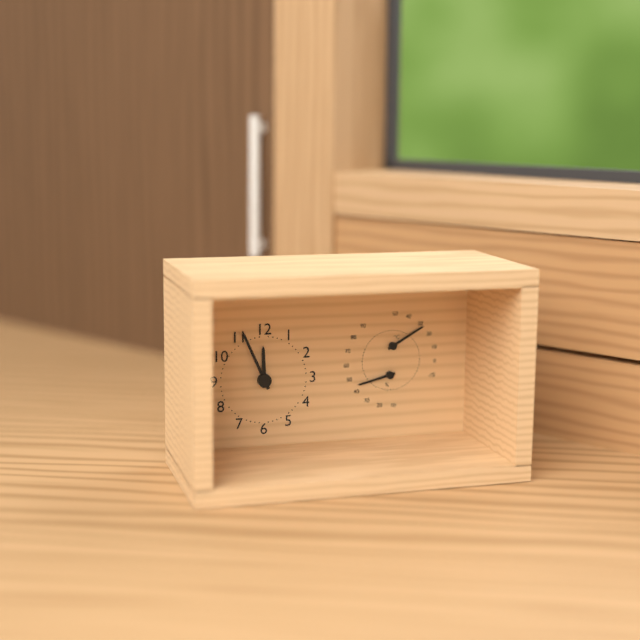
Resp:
11:56
